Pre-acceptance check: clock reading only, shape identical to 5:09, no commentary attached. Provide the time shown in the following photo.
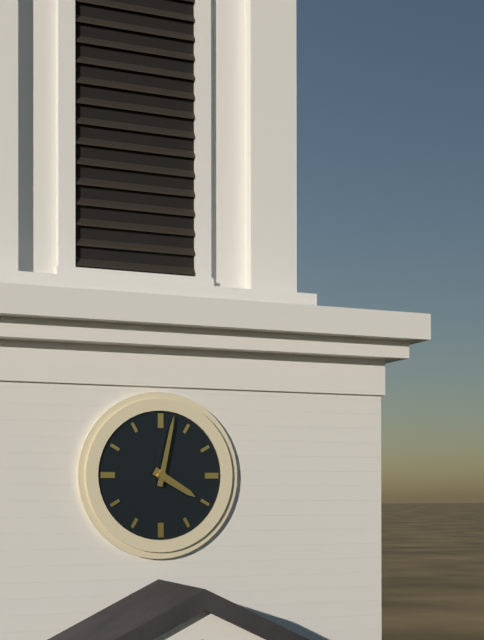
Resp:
4:02
